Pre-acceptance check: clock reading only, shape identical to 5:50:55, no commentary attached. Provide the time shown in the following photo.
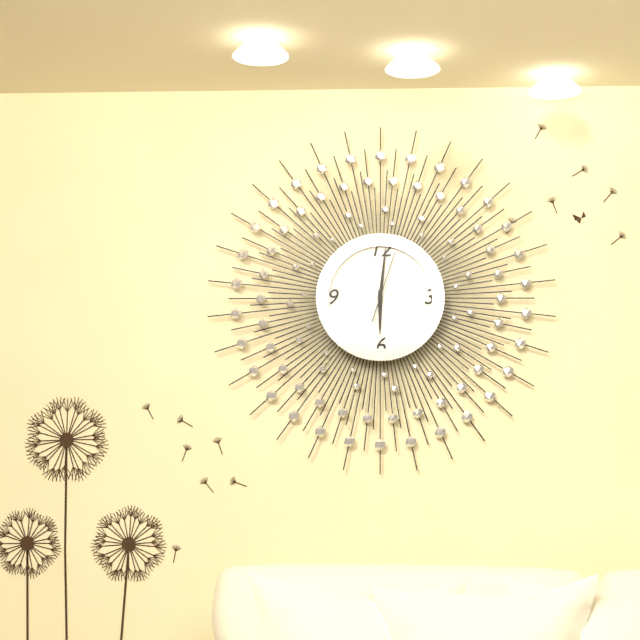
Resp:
6:01:03
